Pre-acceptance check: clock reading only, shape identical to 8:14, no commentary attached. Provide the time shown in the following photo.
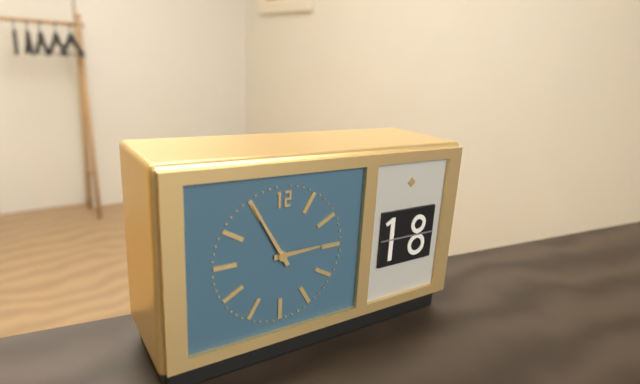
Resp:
2:55
